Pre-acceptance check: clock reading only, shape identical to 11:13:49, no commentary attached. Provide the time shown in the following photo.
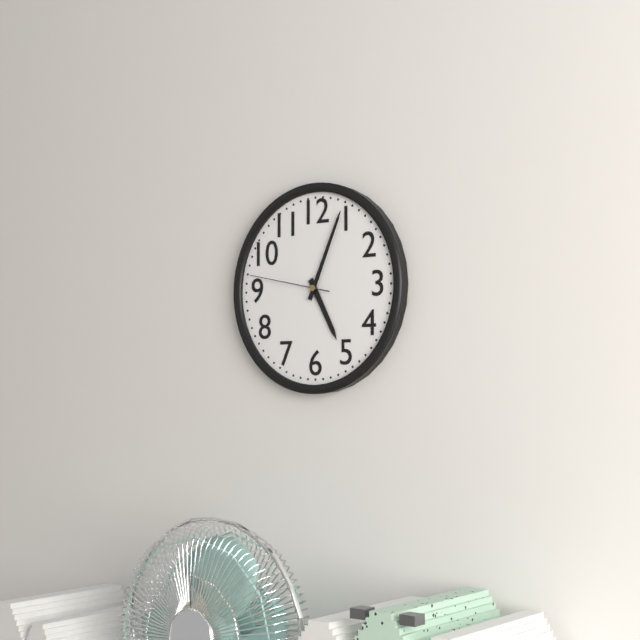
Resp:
5:04:47
